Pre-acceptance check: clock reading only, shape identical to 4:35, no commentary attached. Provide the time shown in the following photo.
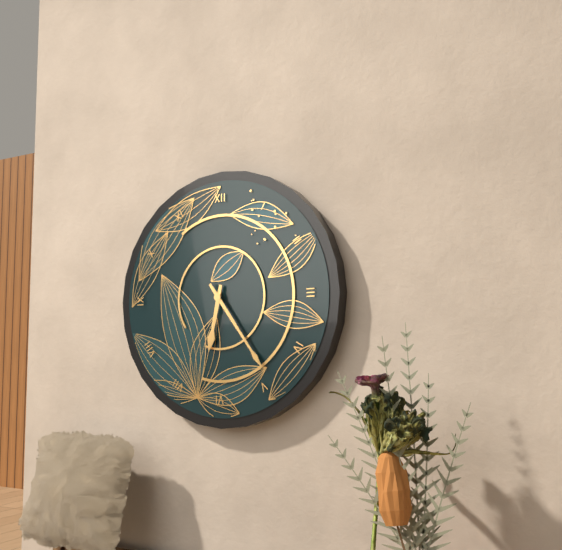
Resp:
6:24
